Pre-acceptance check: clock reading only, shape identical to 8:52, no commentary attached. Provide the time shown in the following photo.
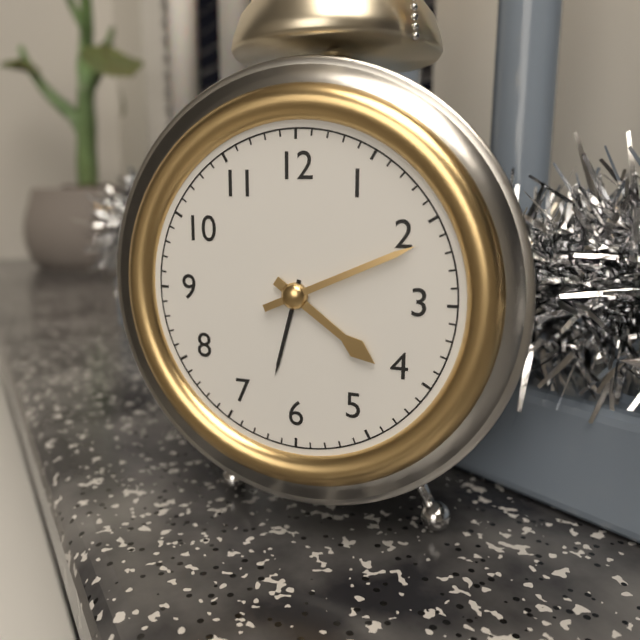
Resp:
4:11
